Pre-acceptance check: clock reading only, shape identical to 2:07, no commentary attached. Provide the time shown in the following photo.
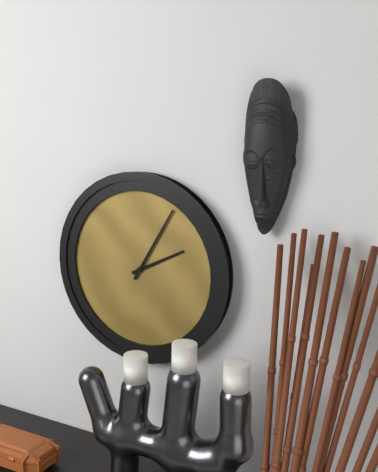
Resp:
2:05
